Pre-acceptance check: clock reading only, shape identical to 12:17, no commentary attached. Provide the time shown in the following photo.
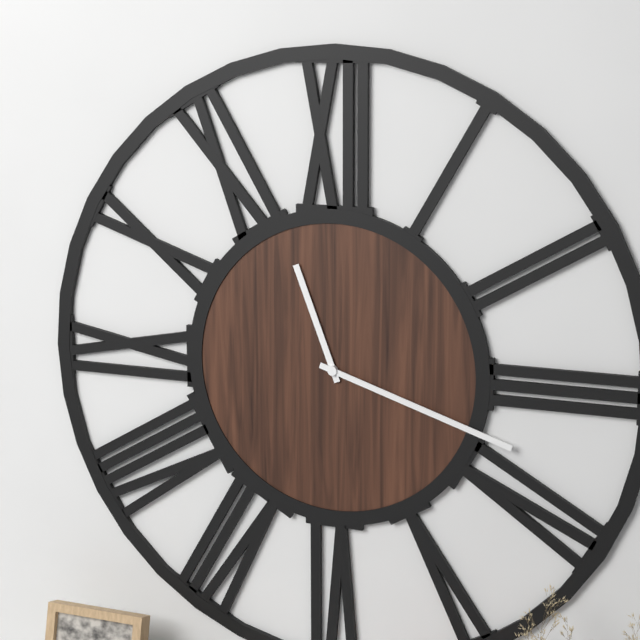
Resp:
11:18
